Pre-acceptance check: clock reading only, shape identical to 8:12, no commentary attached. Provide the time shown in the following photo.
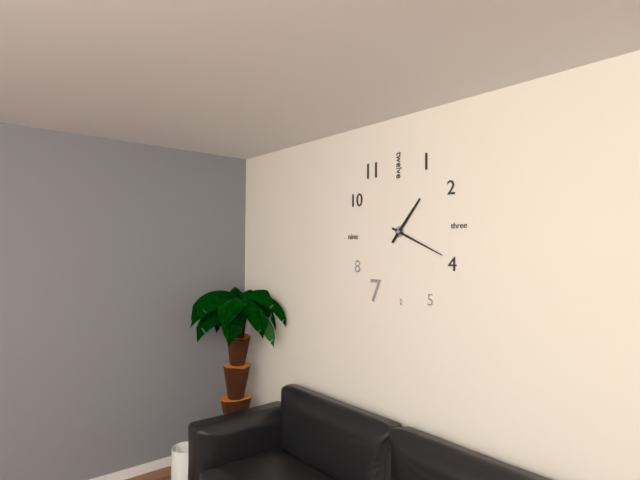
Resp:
1:19
